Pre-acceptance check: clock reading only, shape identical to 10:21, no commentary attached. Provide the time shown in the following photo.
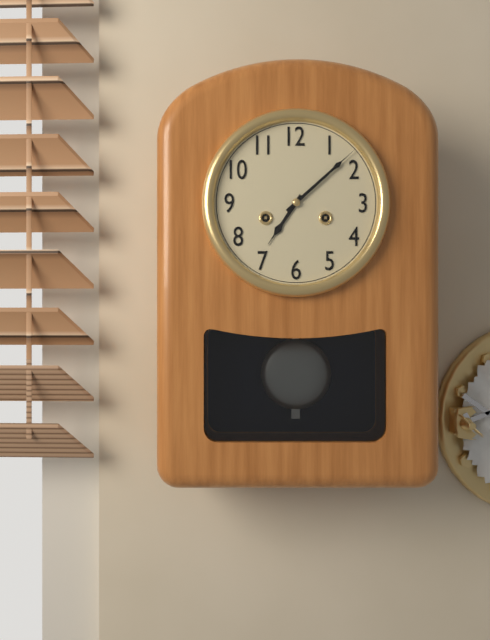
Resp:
7:08
